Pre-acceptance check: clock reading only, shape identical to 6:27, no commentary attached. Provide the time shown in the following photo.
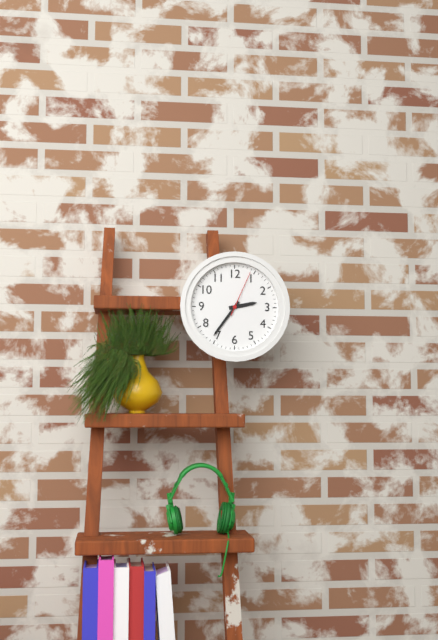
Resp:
2:36
